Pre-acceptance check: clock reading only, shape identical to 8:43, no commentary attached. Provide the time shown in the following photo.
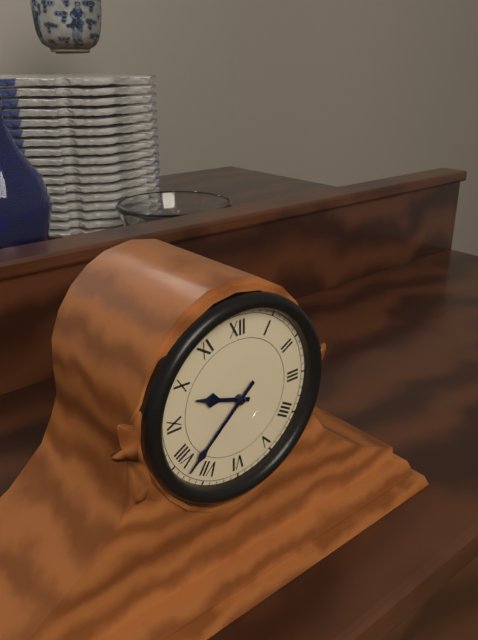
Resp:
9:38
